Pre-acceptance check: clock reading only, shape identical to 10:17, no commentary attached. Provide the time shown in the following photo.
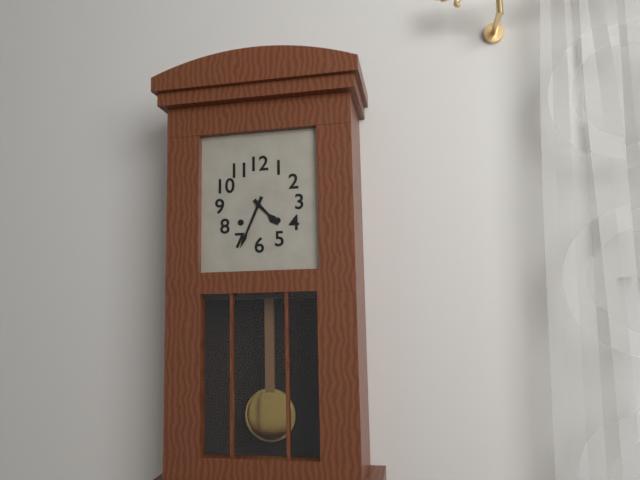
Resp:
4:34
